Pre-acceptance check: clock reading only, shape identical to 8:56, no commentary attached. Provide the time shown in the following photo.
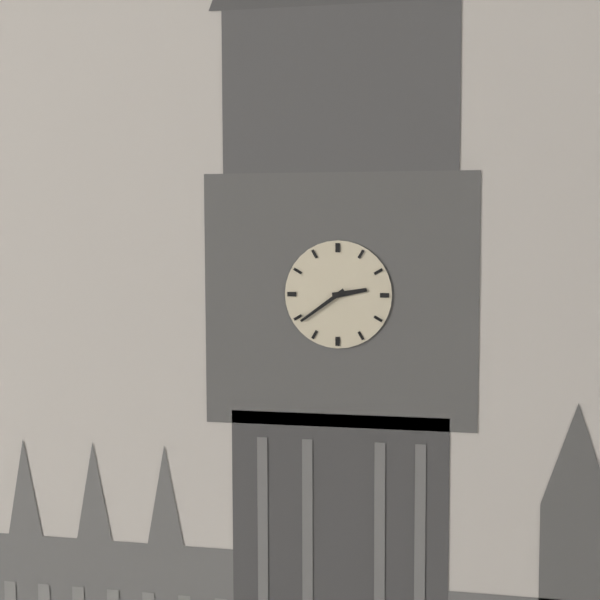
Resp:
2:39
